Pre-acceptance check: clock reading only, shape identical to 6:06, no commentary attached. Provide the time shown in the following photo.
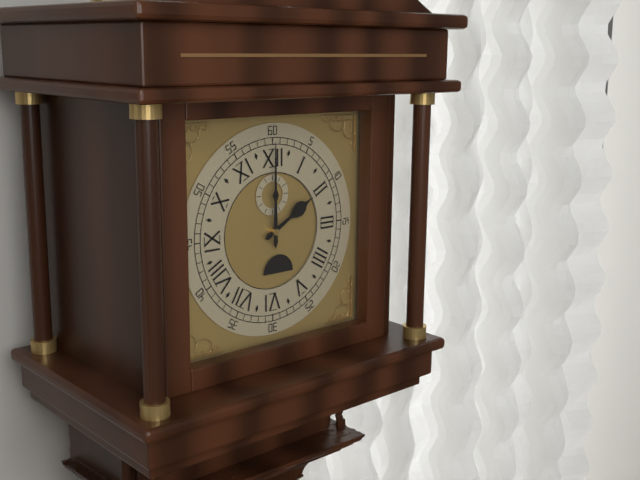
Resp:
2:00
